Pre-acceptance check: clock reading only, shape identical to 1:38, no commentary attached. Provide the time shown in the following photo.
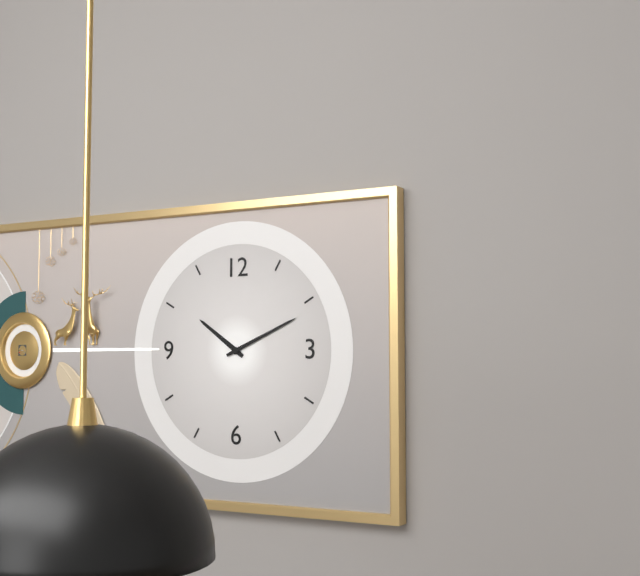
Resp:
10:11
